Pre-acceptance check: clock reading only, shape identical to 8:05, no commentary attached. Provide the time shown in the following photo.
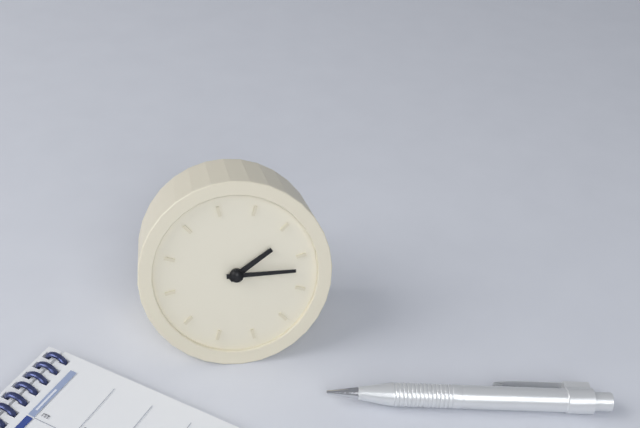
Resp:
2:17
